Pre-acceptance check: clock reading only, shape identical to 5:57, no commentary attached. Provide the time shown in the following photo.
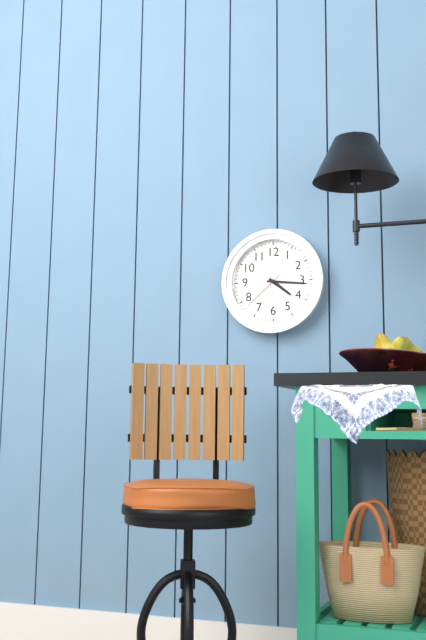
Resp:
4:16
